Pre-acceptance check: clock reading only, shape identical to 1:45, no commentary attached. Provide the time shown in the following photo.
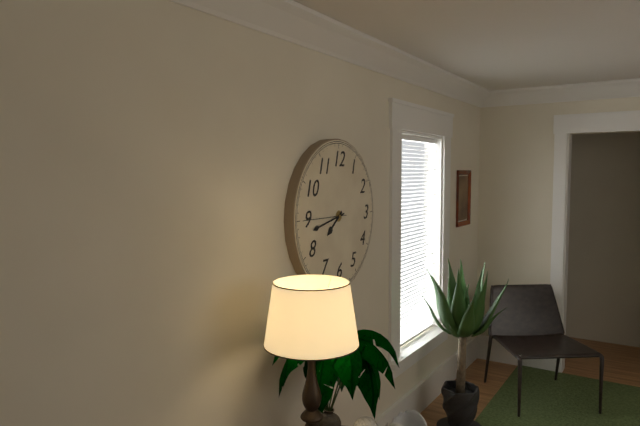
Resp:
7:43
